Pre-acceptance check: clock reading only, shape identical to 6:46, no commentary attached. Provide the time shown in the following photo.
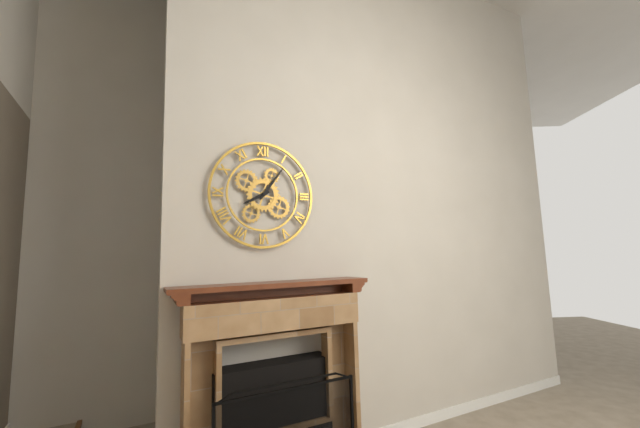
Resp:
8:06
